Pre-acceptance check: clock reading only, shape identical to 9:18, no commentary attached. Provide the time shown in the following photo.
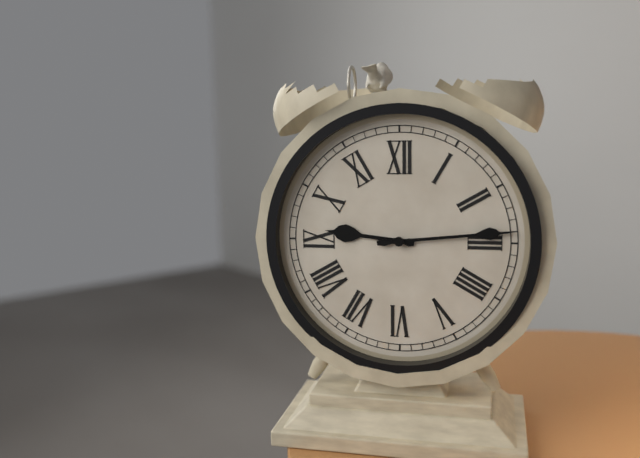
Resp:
9:14
